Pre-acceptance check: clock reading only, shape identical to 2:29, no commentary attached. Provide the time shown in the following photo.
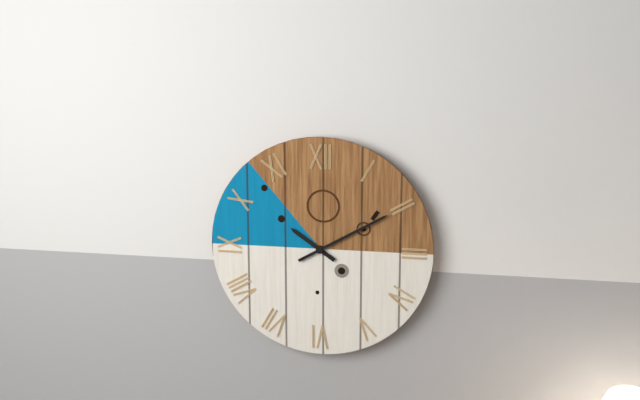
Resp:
10:10
